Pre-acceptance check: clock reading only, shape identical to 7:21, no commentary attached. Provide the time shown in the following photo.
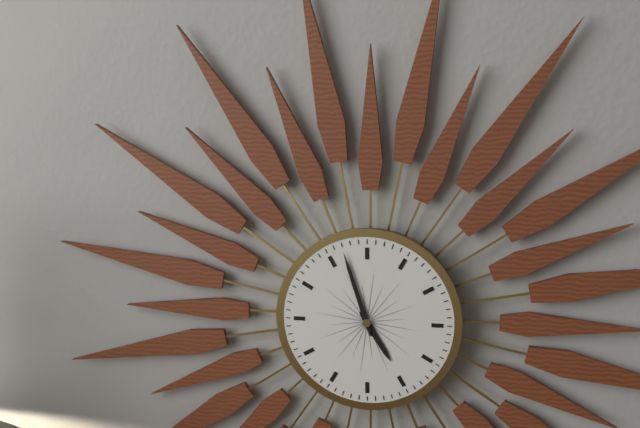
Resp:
4:57
